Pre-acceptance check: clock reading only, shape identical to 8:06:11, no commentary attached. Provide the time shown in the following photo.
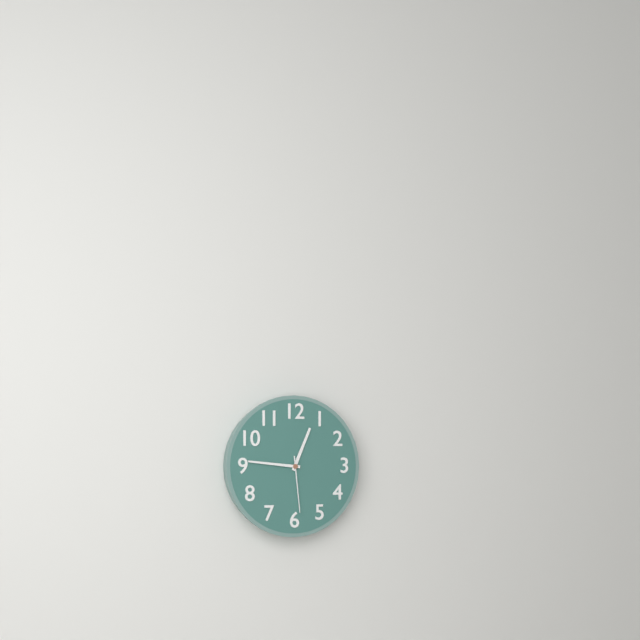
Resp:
12:46:29
